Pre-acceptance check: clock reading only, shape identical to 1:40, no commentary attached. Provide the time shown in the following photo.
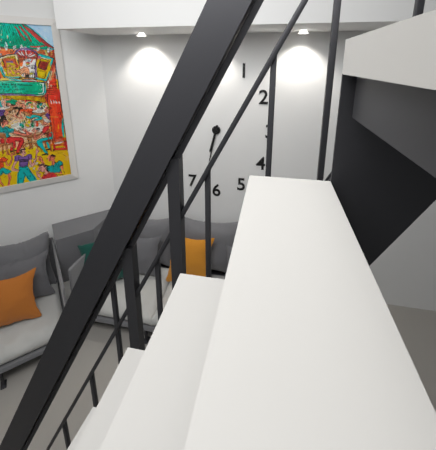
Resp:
6:32
